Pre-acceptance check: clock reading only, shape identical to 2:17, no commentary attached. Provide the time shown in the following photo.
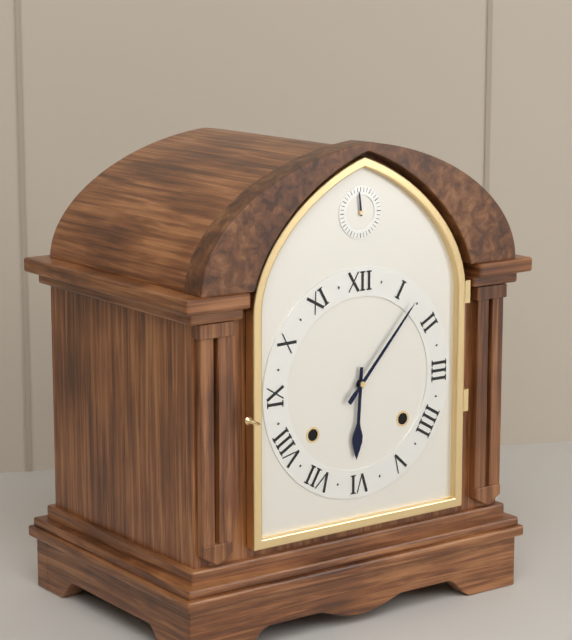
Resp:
6:07
